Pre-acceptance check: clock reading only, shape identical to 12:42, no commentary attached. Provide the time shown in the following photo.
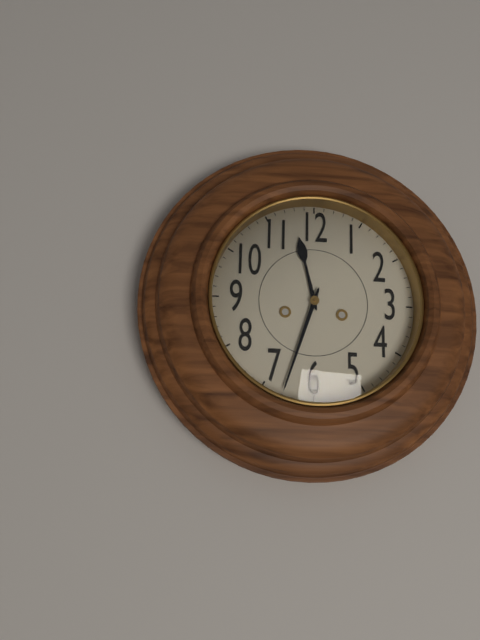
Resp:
11:33
